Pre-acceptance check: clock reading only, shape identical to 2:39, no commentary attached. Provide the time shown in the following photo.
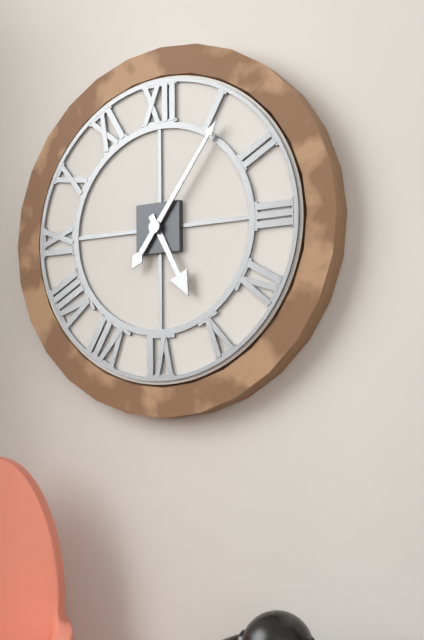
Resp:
5:06
